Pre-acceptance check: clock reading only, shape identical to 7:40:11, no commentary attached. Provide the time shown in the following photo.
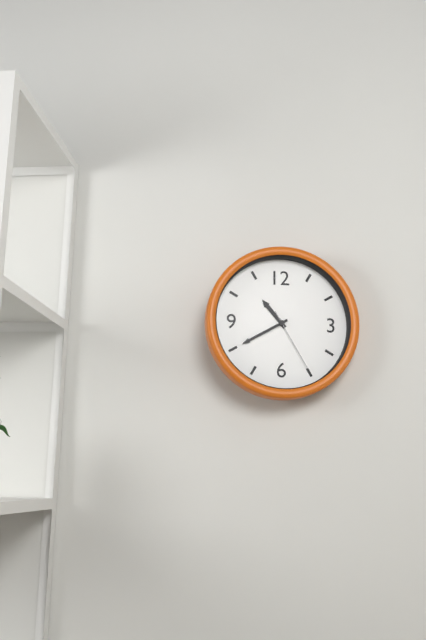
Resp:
10:40:25
